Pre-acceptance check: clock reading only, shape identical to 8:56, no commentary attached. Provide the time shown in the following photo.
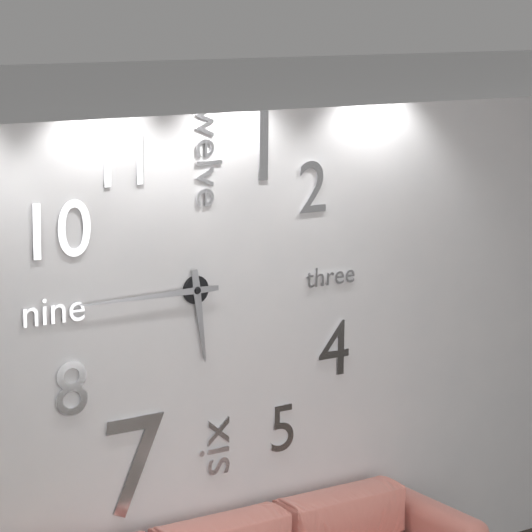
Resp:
5:45
